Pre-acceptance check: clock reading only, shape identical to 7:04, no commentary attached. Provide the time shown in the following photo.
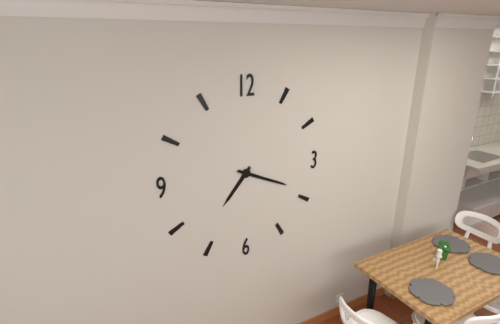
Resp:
7:19
